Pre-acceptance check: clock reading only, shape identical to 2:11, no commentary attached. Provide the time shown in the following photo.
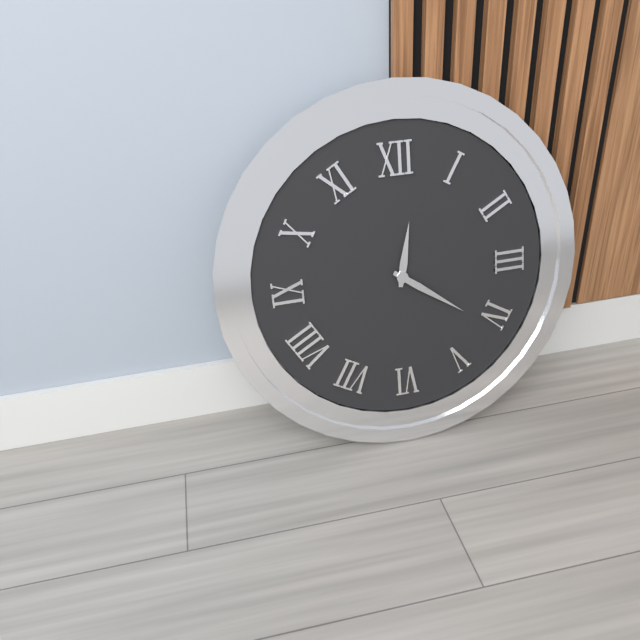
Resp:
12:21
